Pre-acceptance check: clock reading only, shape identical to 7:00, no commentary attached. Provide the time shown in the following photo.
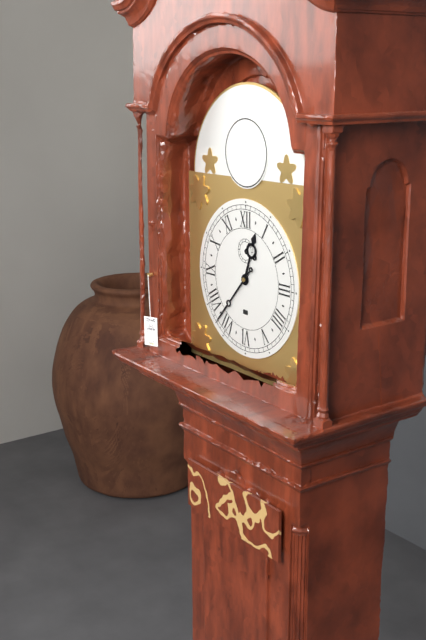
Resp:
12:37
